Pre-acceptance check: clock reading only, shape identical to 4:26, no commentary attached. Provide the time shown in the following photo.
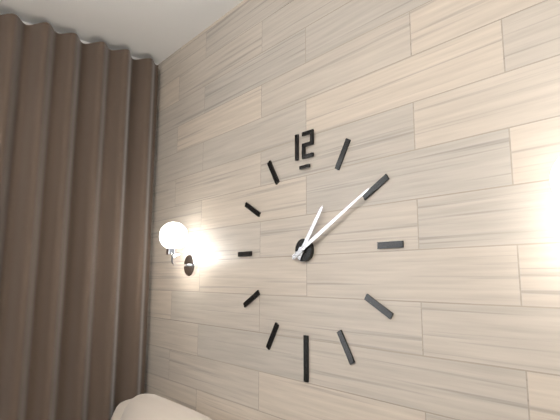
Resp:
1:10
